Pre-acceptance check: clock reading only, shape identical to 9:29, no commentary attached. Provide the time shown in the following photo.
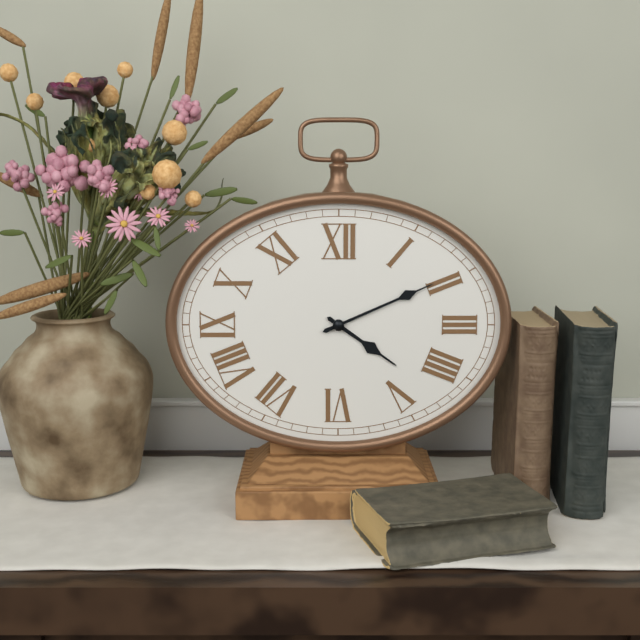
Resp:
4:11
